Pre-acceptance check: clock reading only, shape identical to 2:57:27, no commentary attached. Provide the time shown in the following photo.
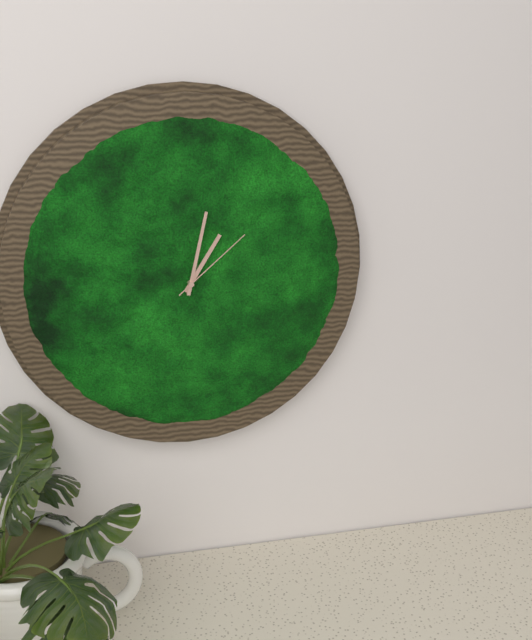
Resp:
1:02:08
